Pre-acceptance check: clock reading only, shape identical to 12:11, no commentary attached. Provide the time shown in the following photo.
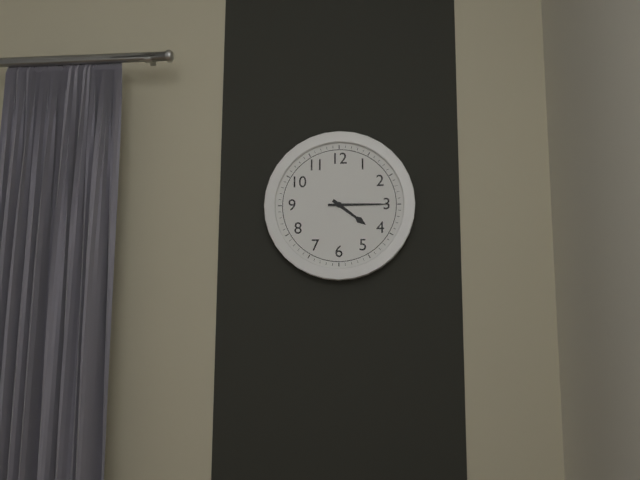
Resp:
4:15
